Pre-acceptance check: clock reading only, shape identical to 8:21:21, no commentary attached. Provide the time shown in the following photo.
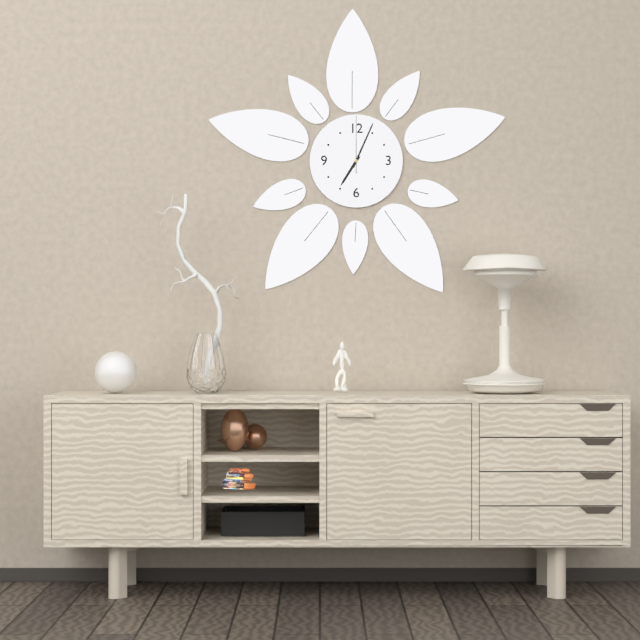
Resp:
7:04:00
